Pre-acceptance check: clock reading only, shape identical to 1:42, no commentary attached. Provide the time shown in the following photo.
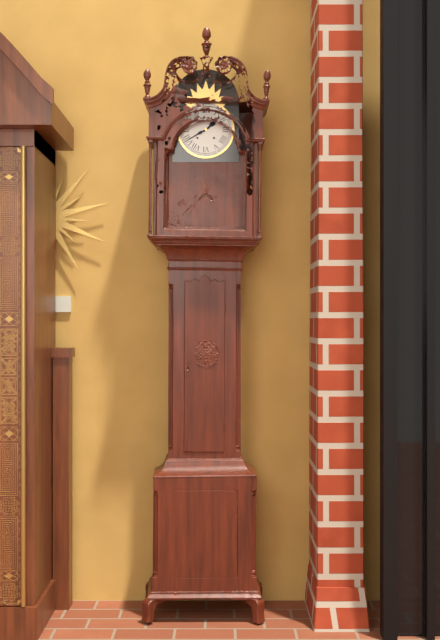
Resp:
1:40
